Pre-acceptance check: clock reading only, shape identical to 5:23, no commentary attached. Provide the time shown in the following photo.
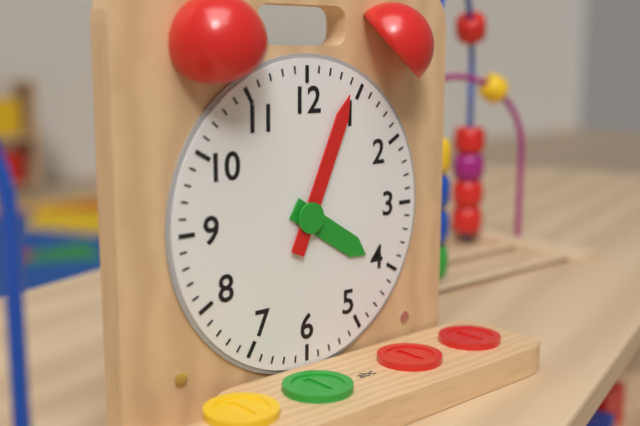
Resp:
4:04
